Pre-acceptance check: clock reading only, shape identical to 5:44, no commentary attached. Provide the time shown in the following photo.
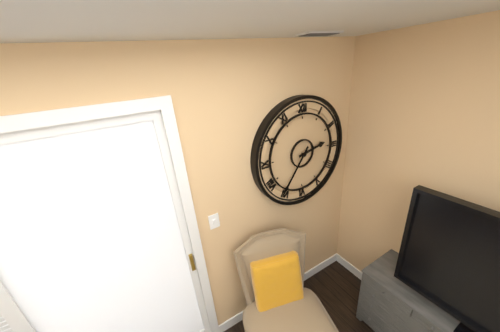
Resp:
2:36
